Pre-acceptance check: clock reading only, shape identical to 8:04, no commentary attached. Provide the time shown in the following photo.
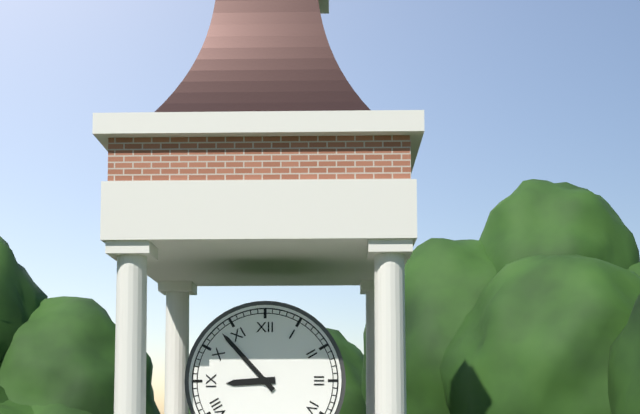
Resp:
8:53
